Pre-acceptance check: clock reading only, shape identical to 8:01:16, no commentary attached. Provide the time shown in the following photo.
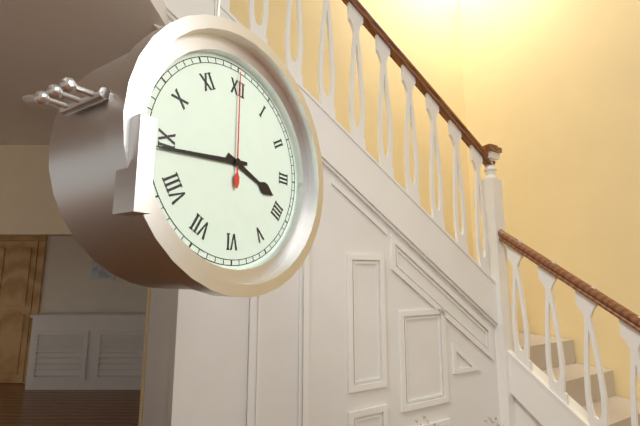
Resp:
3:44:00
